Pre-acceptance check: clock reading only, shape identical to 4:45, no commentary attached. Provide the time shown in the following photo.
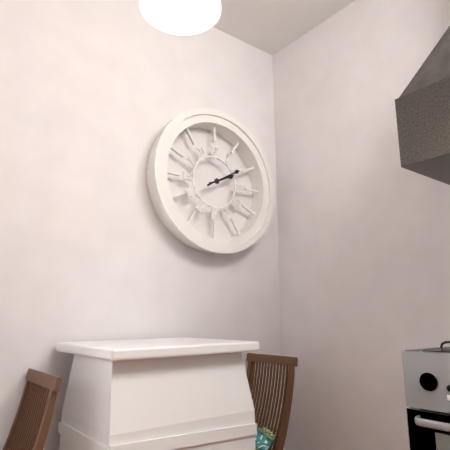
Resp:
2:10
